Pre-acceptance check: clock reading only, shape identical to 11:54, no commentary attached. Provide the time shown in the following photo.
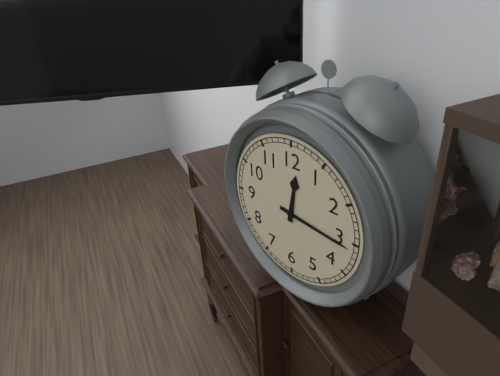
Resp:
12:16
